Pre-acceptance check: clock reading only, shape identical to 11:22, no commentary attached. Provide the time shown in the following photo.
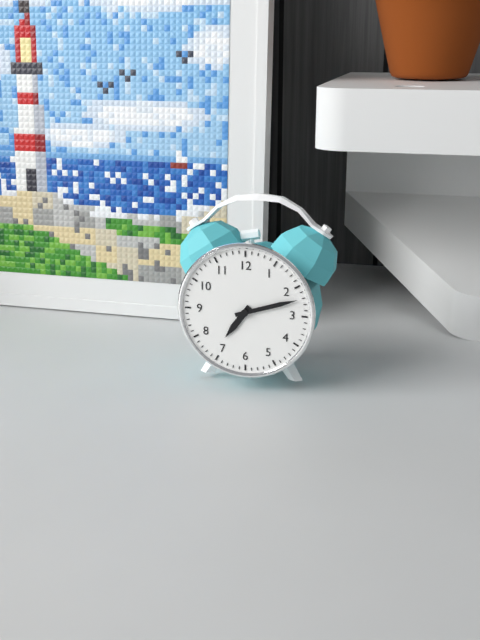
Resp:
7:12
